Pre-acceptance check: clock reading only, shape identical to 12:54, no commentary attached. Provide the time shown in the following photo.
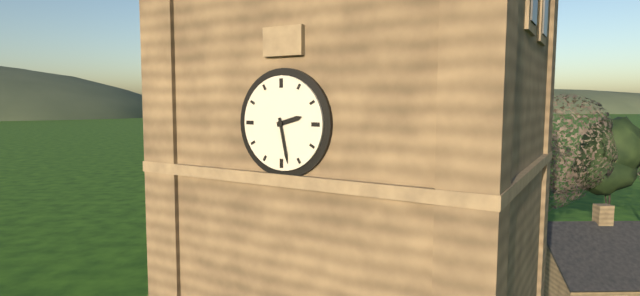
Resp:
2:28
